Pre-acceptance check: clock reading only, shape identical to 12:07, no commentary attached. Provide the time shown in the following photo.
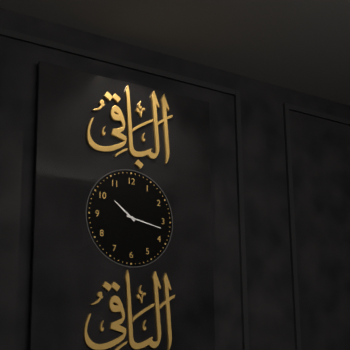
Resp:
10:17
